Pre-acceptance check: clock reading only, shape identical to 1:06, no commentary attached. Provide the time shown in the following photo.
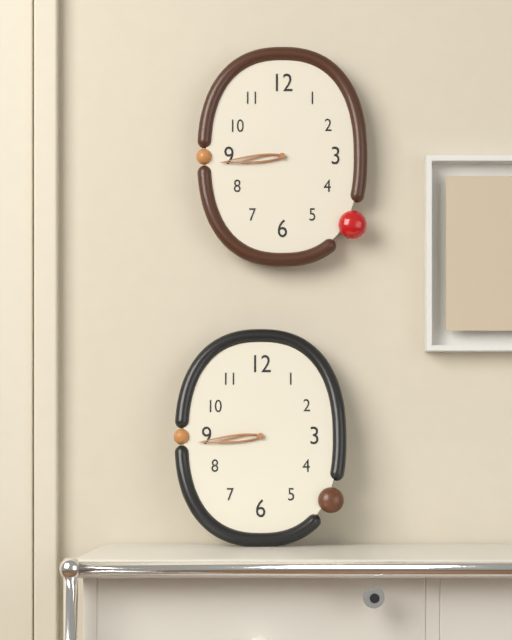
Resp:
8:44
